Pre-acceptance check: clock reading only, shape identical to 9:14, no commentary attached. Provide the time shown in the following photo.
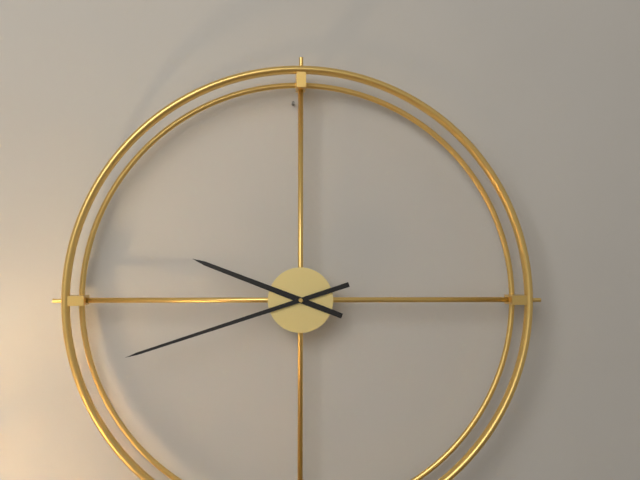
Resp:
9:42
